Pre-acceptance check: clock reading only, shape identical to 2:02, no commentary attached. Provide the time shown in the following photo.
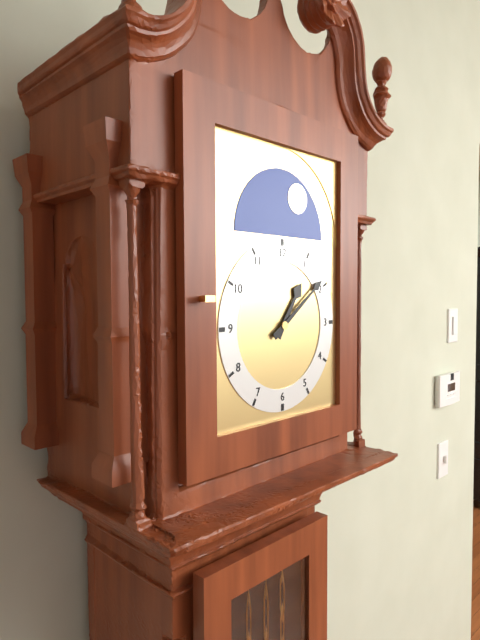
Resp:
1:09
